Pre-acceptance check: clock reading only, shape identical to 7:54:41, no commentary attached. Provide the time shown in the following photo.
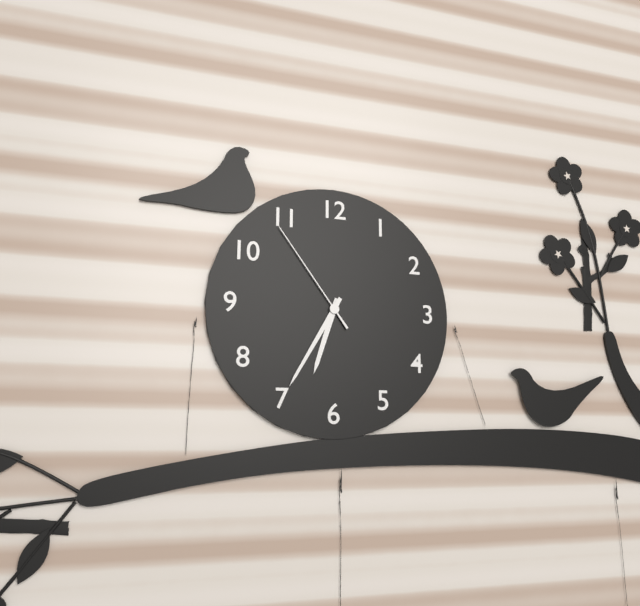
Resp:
6:35:54
